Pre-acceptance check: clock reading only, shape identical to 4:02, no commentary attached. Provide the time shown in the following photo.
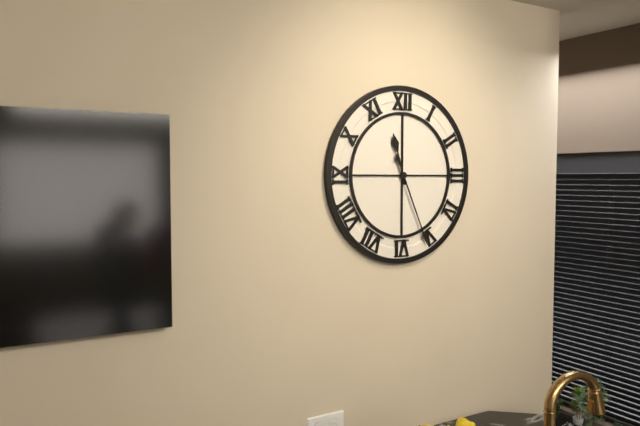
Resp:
11:26
